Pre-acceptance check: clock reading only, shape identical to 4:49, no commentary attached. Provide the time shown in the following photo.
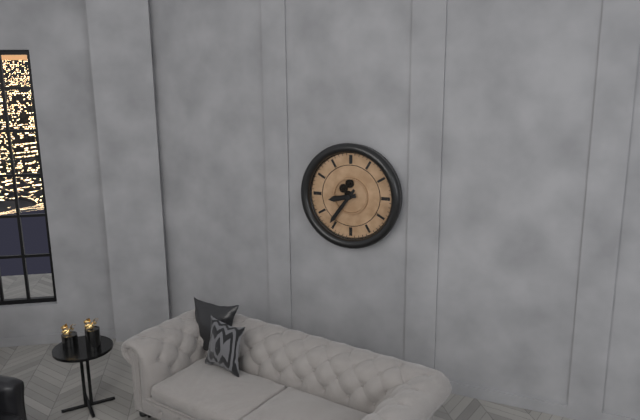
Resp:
8:36
